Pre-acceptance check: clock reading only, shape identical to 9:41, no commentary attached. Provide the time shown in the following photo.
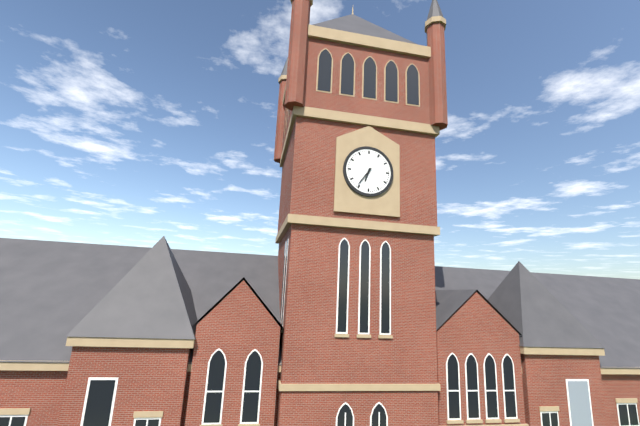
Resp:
6:36
